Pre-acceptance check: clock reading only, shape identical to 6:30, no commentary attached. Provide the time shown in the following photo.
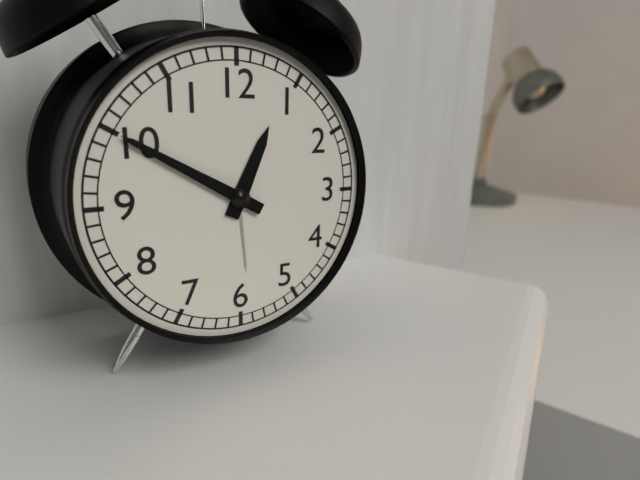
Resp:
12:50
